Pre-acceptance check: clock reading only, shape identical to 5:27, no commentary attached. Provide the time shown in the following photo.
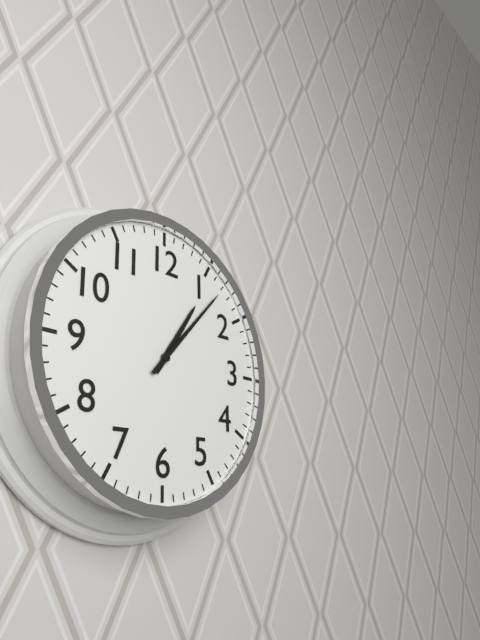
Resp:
1:07
